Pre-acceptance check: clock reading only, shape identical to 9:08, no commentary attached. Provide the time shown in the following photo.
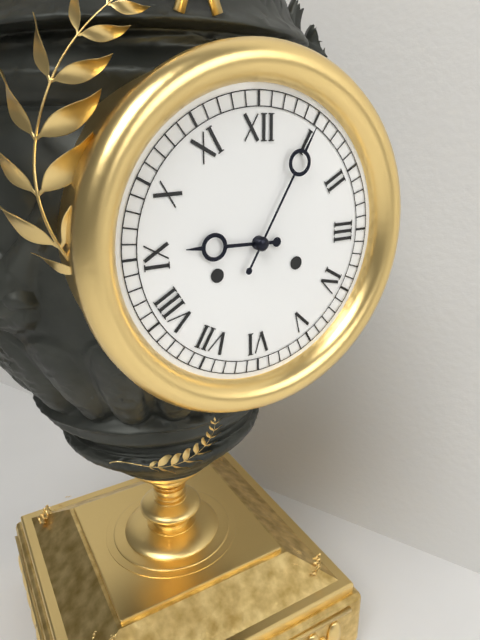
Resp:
9:05
